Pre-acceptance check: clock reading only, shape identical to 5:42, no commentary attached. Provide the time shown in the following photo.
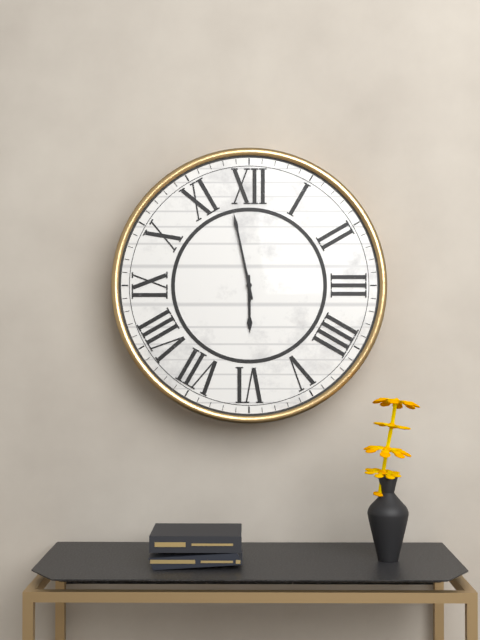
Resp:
5:58
